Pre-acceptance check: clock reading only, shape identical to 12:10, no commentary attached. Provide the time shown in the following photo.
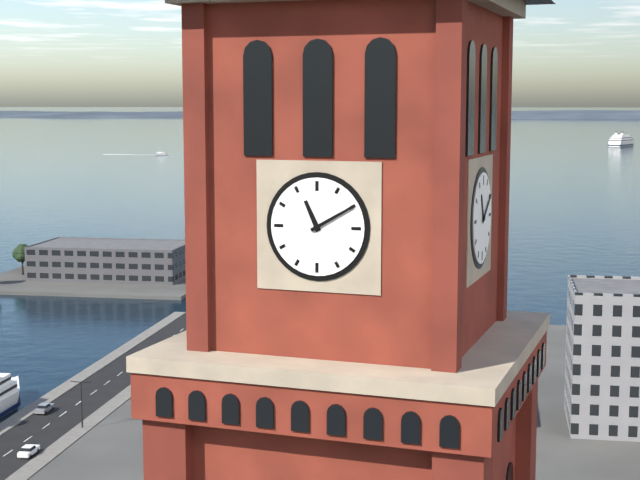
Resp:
11:10
